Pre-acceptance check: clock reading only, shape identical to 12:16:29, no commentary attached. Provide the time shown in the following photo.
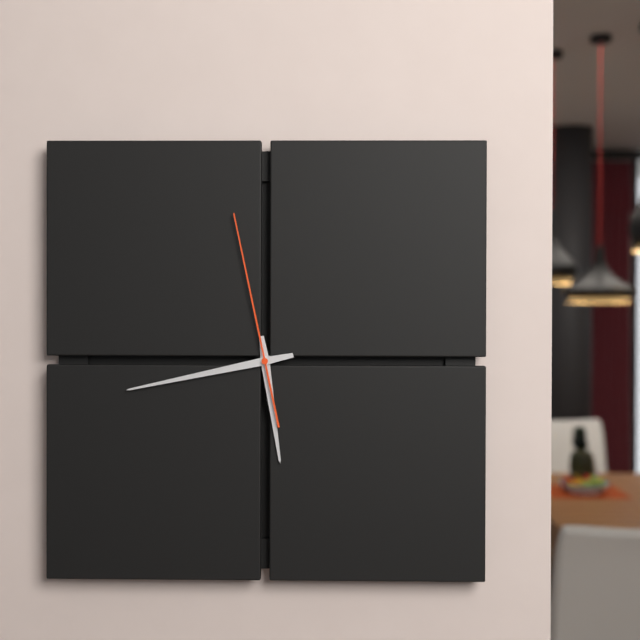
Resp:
5:43:58
